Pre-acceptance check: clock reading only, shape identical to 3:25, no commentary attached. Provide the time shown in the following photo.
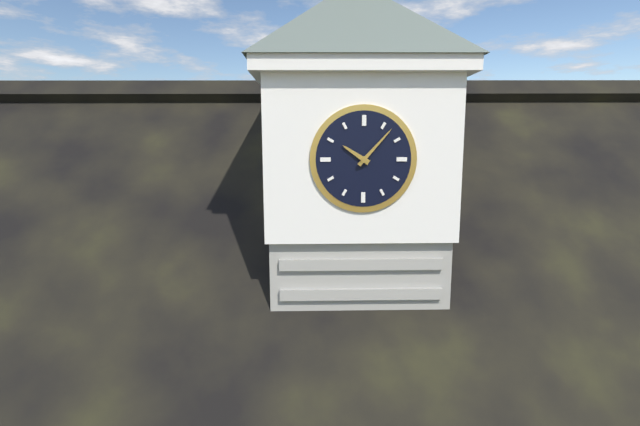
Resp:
10:07
